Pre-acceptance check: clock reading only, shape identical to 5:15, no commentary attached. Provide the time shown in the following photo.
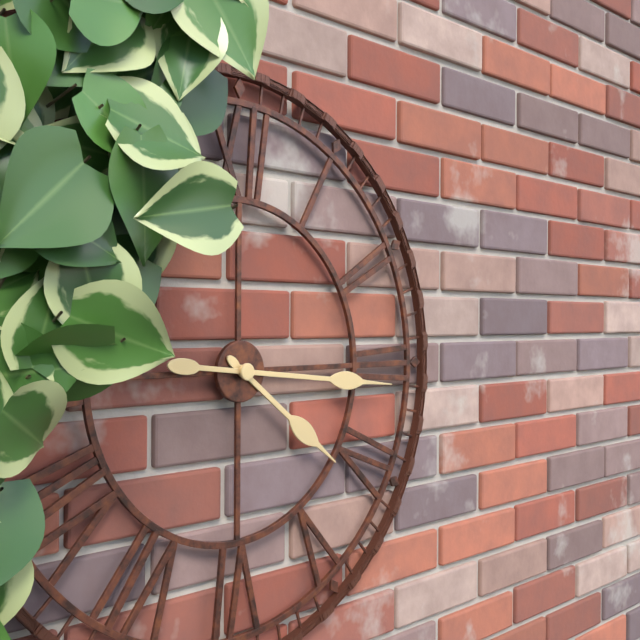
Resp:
4:16
